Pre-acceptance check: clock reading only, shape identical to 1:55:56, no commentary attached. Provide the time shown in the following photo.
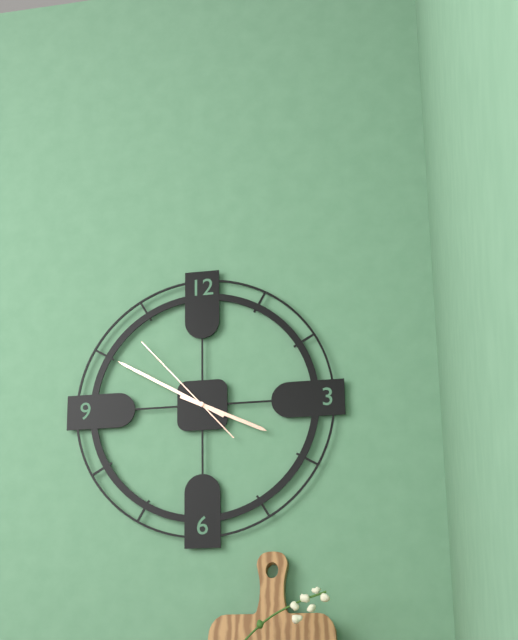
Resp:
3:50:53
